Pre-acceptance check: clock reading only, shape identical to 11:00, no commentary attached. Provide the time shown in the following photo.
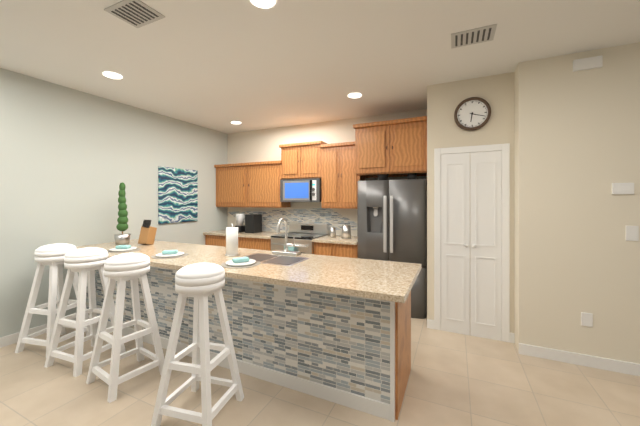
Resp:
6:18
